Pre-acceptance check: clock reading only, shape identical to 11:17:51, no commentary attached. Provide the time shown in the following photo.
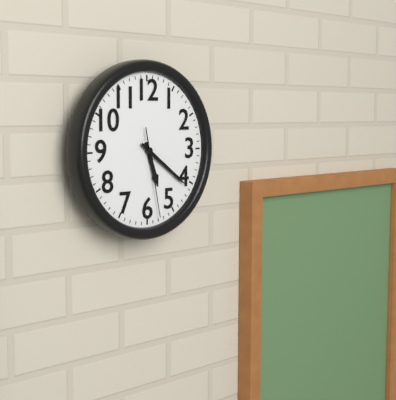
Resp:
5:21:28
